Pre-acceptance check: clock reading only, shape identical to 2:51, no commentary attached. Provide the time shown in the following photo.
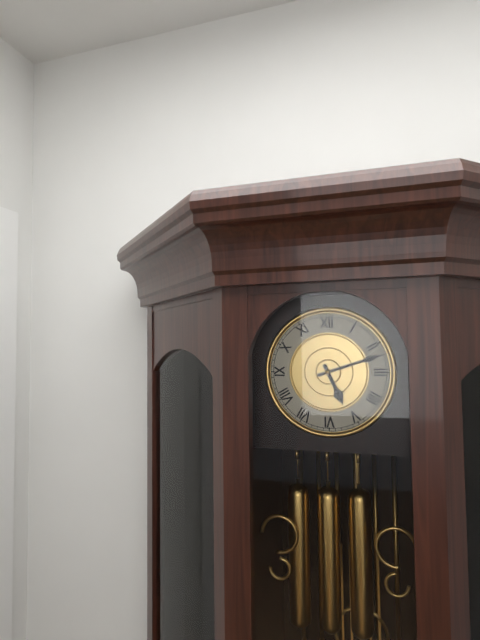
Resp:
5:12
